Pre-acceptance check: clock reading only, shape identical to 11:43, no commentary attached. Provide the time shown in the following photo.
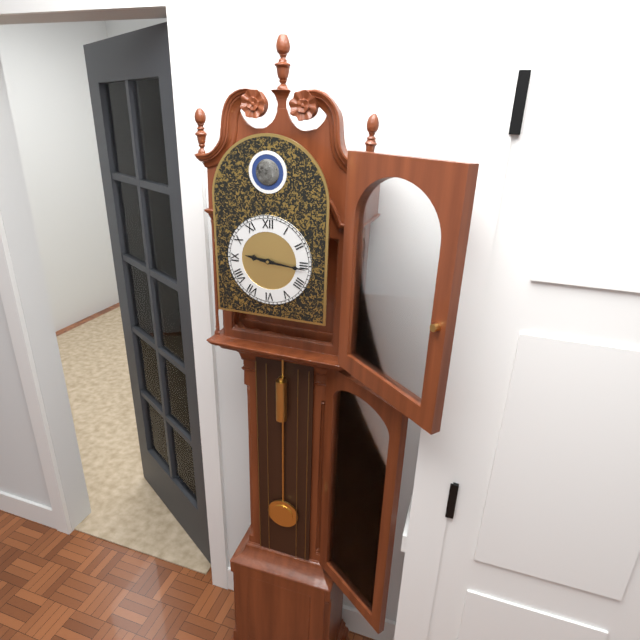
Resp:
9:16
